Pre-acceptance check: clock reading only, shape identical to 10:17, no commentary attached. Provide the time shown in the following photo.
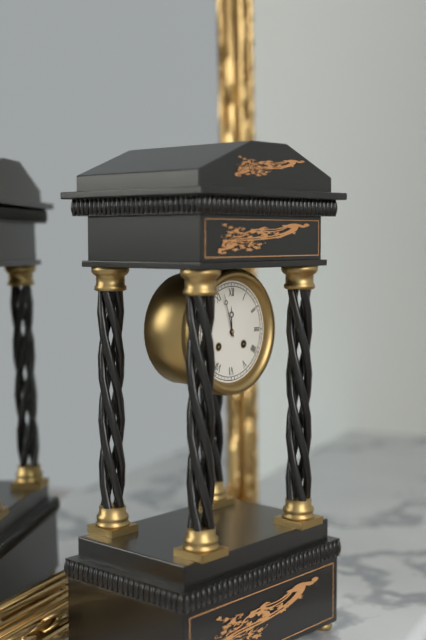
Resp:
11:57
